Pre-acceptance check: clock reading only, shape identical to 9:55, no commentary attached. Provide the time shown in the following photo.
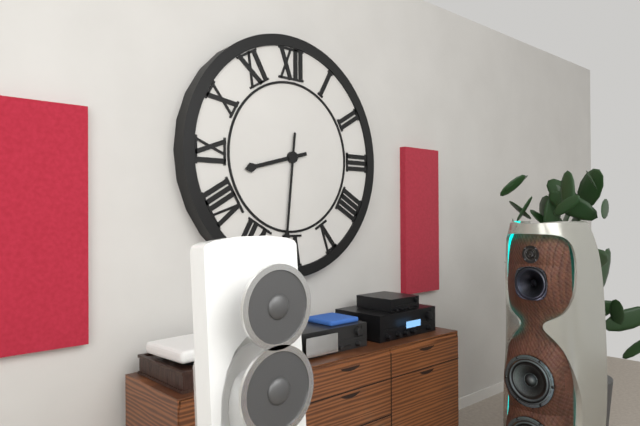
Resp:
8:31
